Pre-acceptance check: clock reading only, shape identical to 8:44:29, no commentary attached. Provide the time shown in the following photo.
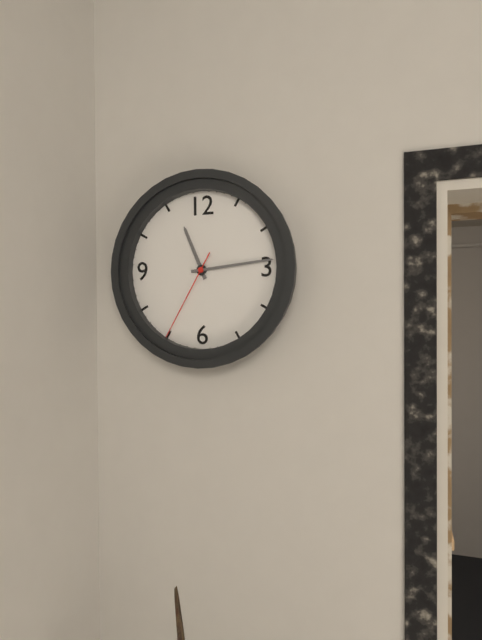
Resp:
11:14:35
